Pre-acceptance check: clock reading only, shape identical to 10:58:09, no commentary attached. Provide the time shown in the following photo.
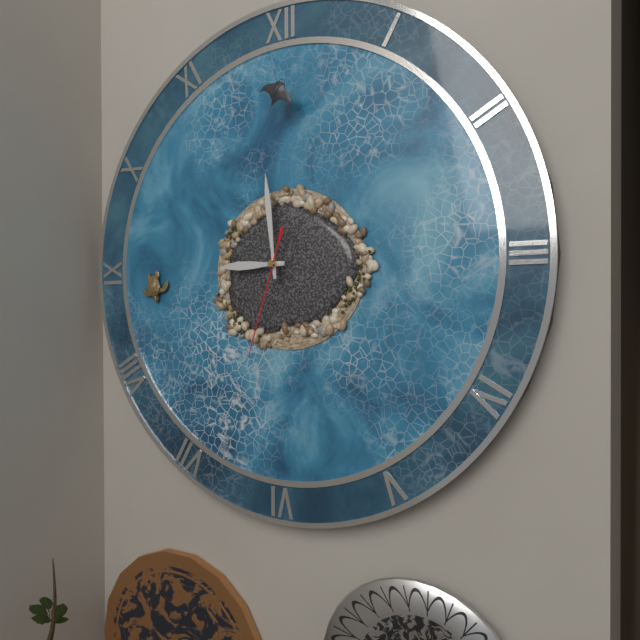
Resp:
8:59:33
